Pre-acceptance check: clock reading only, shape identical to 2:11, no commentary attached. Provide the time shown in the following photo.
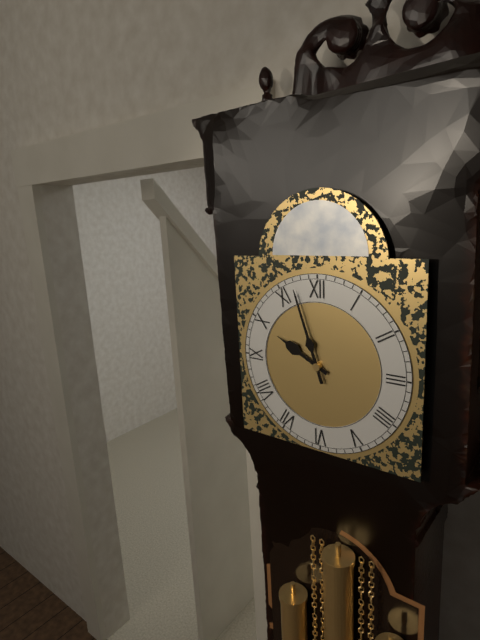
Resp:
9:57
